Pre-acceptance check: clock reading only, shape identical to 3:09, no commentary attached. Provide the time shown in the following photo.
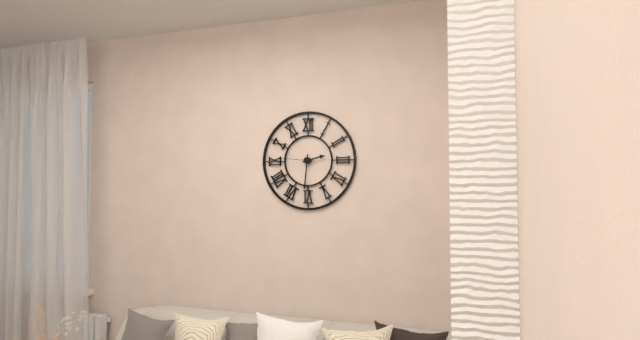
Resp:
2:31
